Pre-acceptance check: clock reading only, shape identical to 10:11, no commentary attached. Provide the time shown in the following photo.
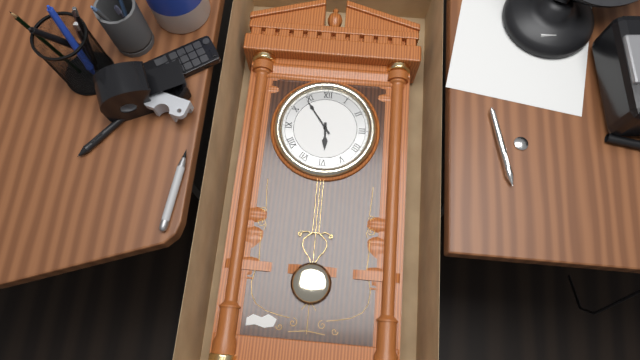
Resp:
5:54
